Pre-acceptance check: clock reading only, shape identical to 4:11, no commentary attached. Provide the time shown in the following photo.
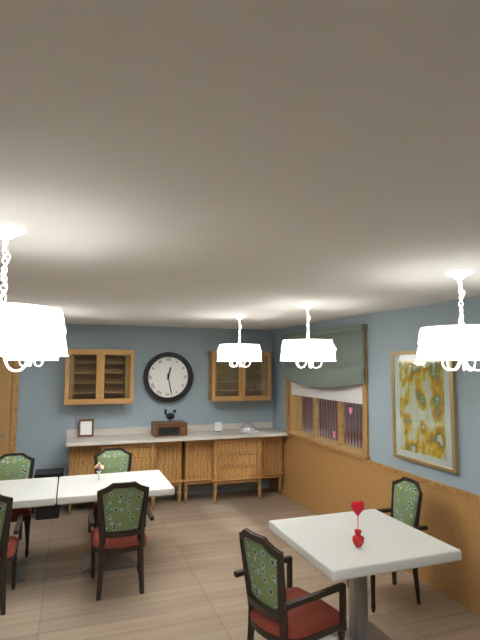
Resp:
12:28
